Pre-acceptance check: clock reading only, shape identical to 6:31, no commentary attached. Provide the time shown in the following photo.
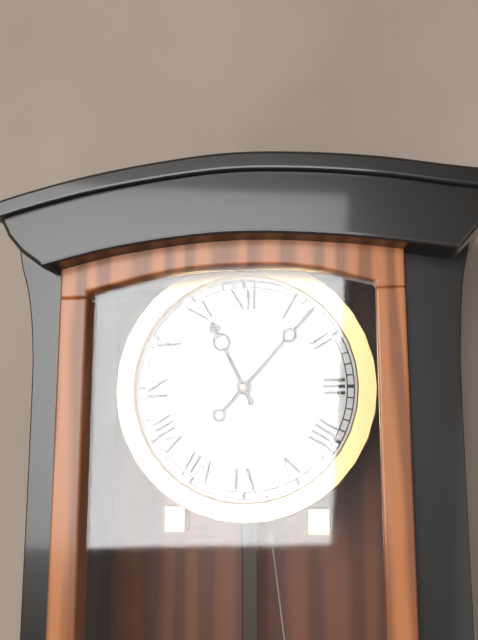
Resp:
11:07
